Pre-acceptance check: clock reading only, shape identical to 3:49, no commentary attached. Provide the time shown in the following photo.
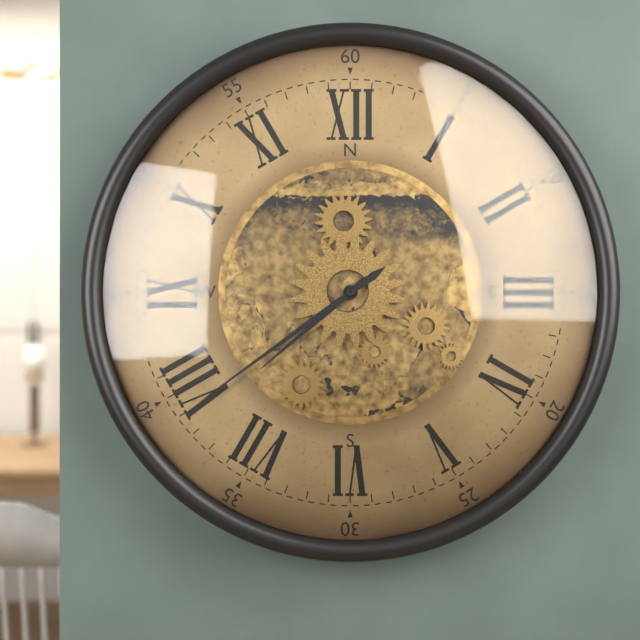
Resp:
7:39
